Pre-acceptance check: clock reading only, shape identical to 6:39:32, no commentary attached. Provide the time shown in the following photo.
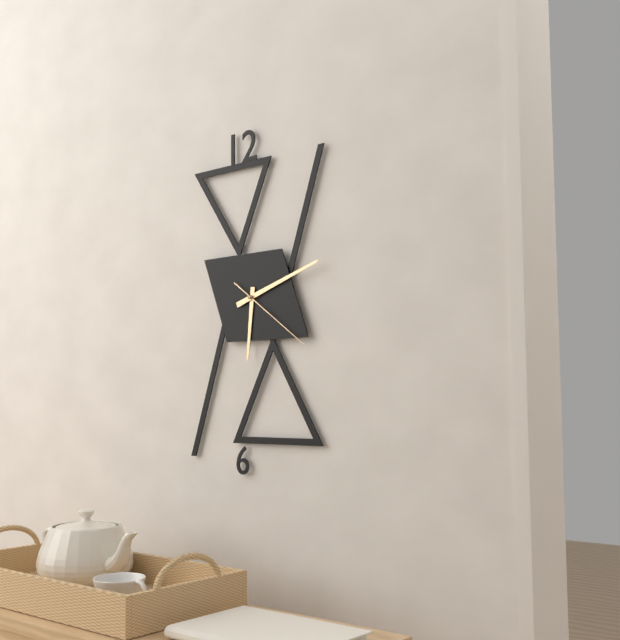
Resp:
6:12:21
